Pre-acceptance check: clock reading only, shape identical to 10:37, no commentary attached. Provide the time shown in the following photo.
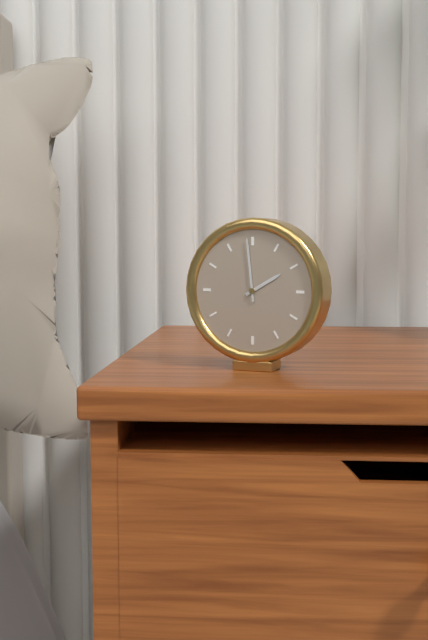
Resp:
1:59
